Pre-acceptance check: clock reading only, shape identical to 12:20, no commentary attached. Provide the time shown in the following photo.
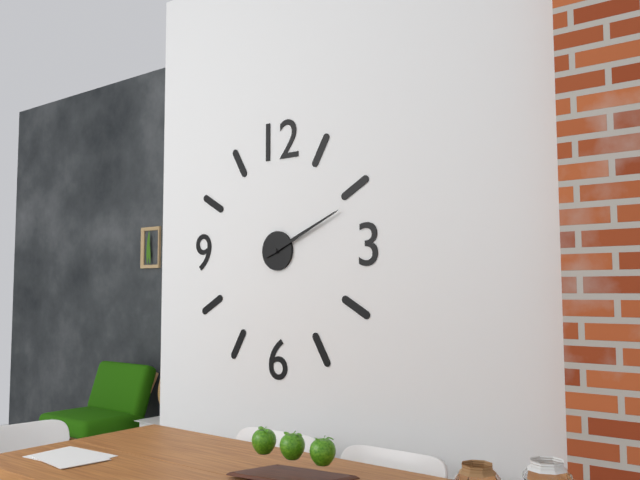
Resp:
2:11
